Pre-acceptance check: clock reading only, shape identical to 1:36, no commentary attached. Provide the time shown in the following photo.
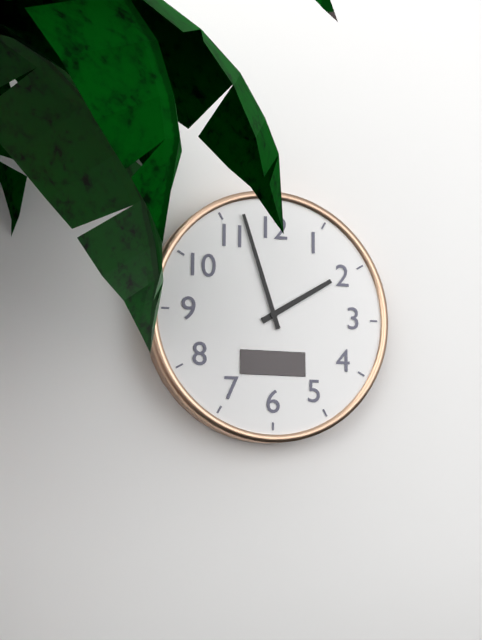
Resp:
1:57
